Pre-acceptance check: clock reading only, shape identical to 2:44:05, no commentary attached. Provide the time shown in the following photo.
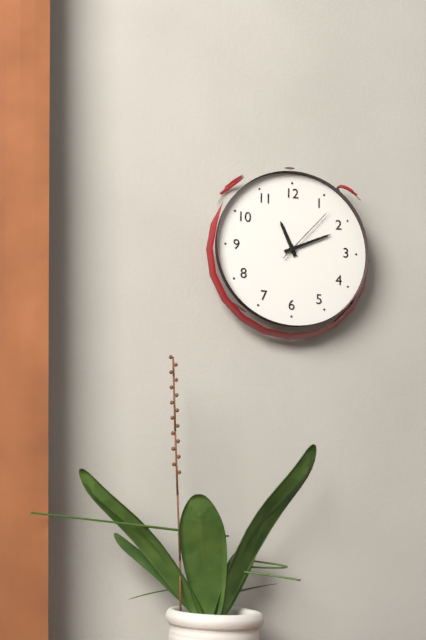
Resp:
11:11:07
